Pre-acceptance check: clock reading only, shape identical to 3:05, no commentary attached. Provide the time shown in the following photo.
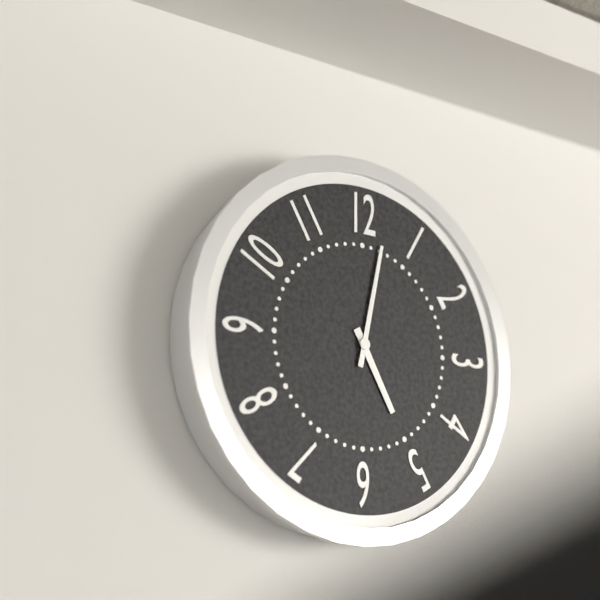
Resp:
5:02
